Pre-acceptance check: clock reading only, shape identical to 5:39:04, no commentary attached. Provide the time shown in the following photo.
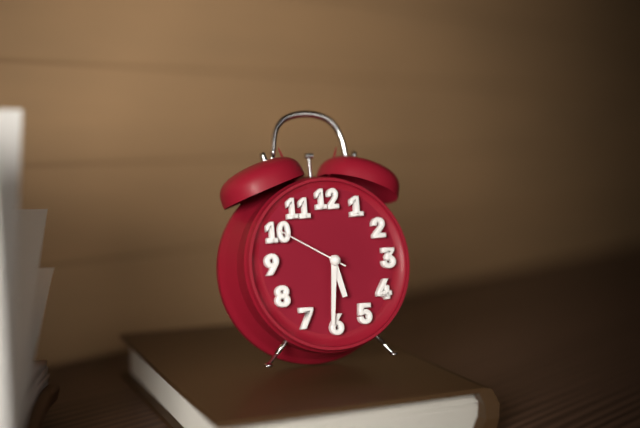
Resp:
5:31:50
